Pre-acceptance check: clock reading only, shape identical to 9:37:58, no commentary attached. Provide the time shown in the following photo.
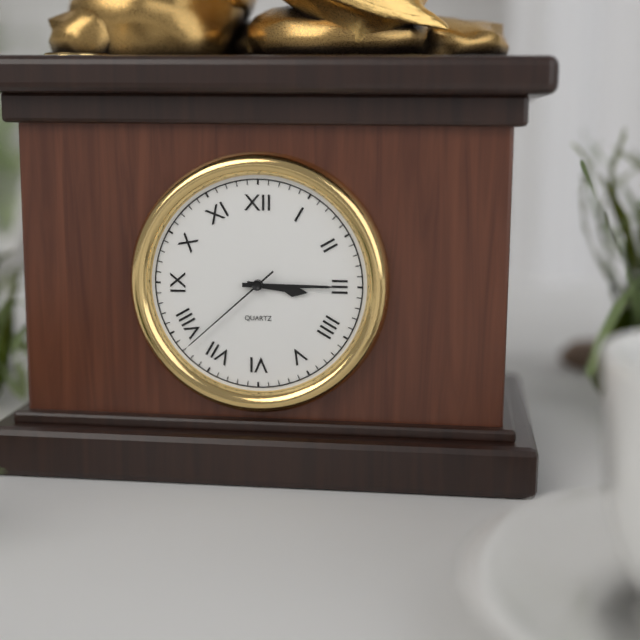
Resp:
3:15:38
